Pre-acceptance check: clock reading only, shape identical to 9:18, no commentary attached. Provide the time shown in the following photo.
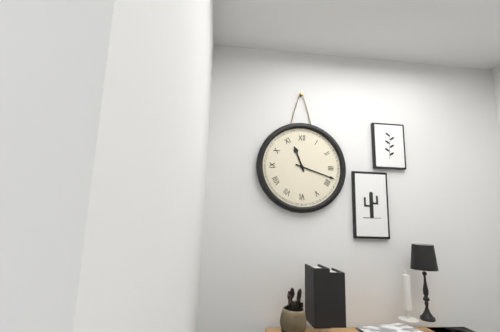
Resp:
11:18
